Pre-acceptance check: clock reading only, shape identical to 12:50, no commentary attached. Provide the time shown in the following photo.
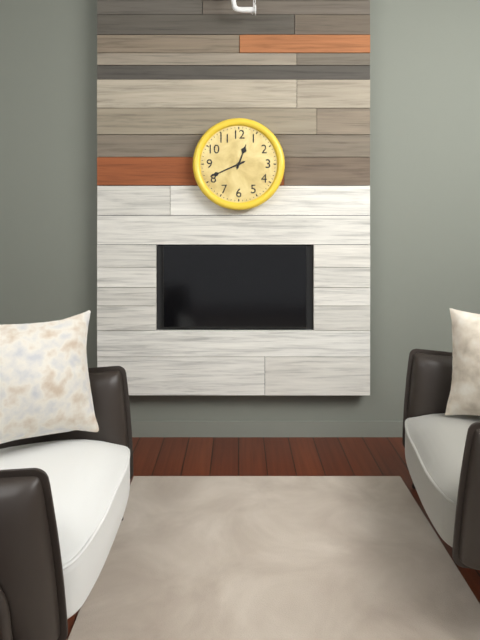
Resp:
12:41
